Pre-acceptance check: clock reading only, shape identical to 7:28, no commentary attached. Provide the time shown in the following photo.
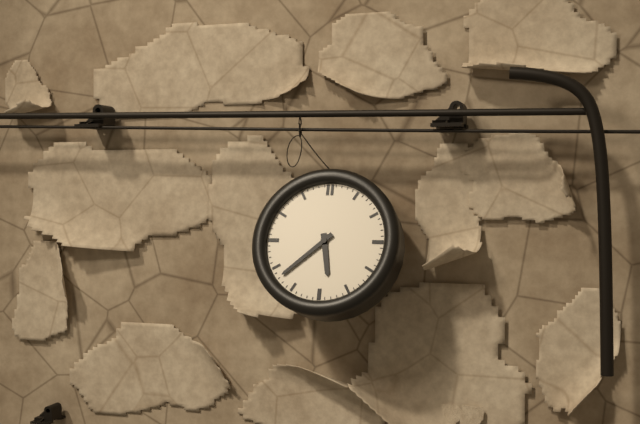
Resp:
5:38
